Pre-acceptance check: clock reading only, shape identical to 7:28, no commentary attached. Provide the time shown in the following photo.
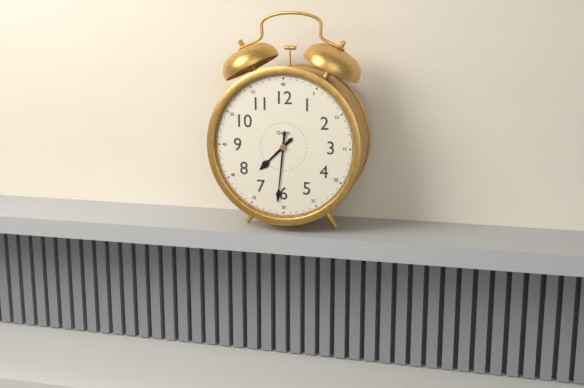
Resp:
7:31
